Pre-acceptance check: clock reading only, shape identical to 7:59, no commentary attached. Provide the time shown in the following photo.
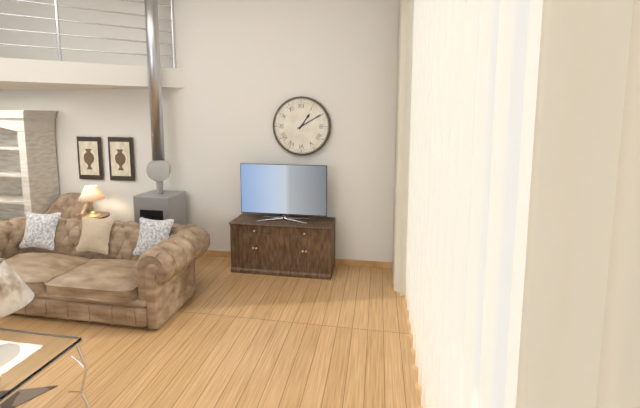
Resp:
1:10
